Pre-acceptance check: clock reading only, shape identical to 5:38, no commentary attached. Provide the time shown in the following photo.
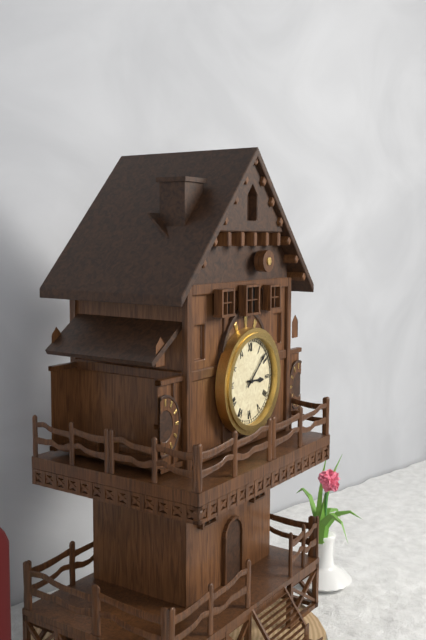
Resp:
3:08
